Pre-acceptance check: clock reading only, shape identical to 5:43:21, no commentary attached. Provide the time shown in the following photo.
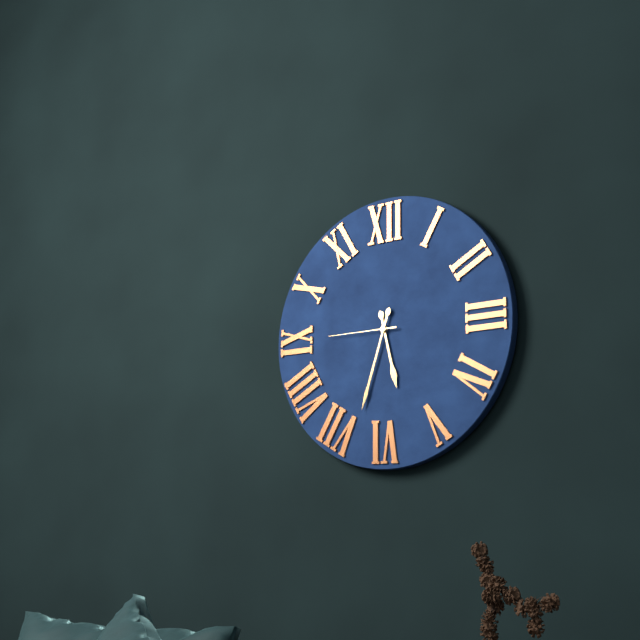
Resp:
5:33:45
